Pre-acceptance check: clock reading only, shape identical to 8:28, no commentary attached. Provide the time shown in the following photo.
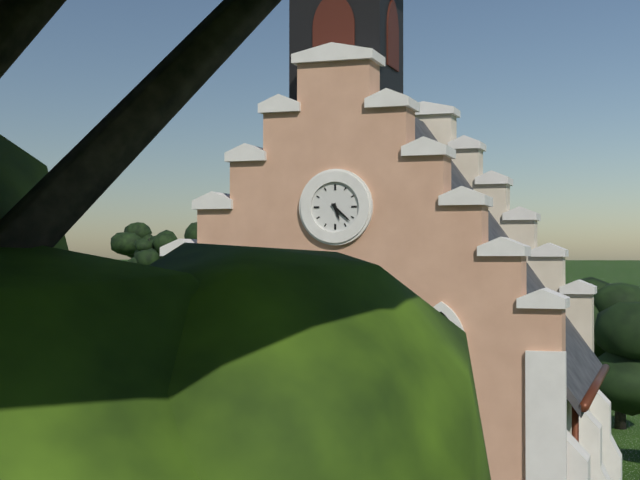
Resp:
5:22
